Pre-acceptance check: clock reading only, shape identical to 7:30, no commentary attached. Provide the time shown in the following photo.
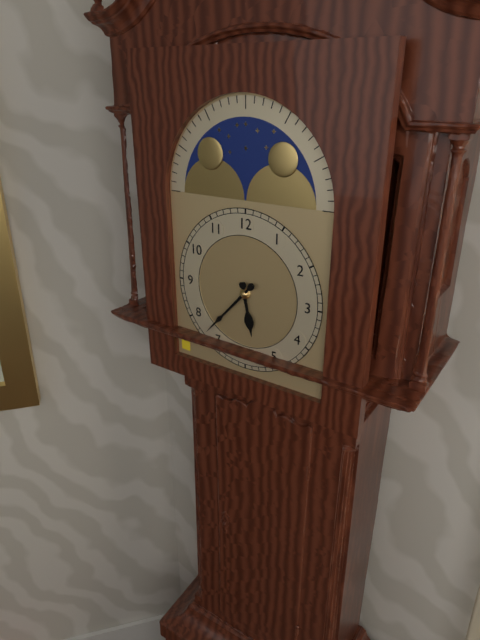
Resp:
5:37
